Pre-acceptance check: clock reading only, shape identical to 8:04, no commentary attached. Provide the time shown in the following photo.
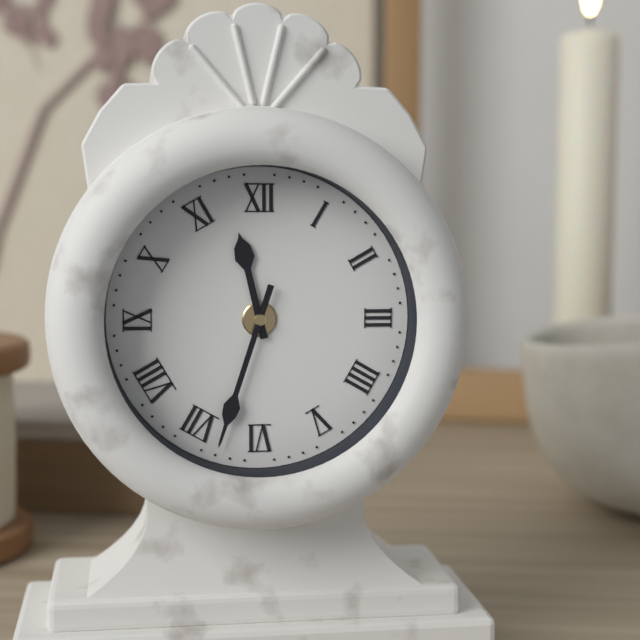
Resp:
11:33
